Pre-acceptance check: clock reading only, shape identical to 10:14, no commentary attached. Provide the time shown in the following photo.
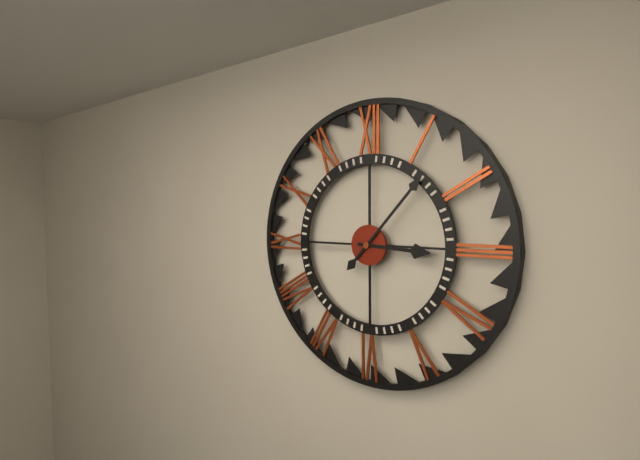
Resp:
3:07
